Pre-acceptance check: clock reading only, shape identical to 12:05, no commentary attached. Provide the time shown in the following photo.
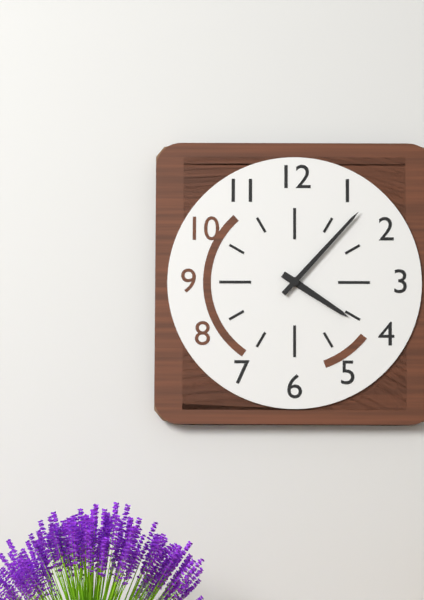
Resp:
4:07
